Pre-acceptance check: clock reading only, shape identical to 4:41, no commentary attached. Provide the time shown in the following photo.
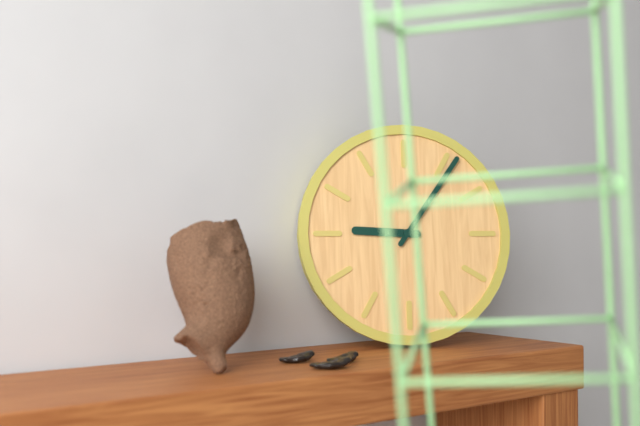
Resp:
9:06
